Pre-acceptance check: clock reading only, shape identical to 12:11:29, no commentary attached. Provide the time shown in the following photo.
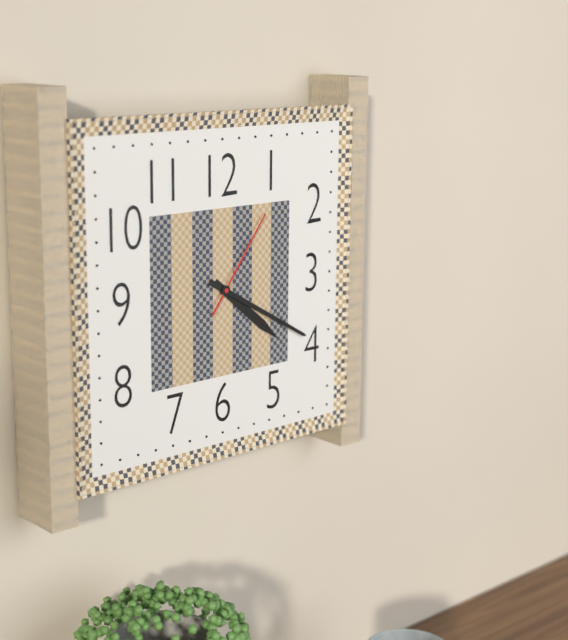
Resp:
4:20:06
